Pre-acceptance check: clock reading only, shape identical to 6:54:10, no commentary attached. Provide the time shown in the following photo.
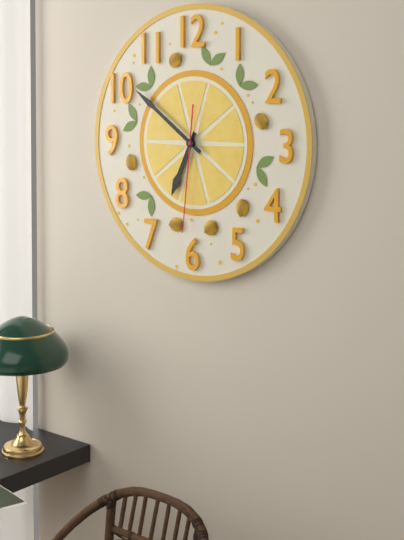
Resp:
6:51:31
